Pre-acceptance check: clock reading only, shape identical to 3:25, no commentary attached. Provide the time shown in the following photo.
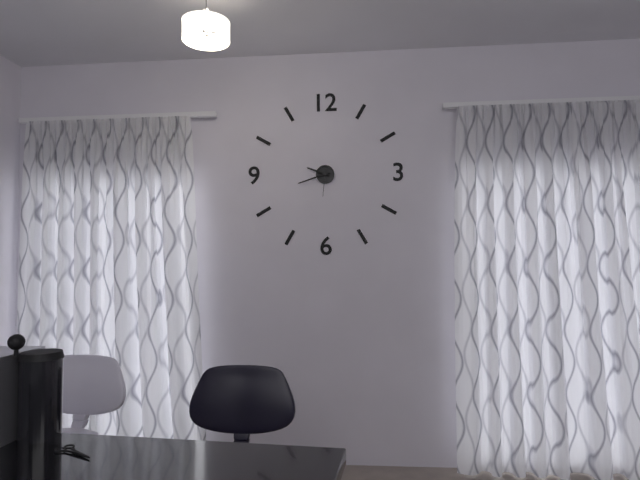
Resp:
9:42
